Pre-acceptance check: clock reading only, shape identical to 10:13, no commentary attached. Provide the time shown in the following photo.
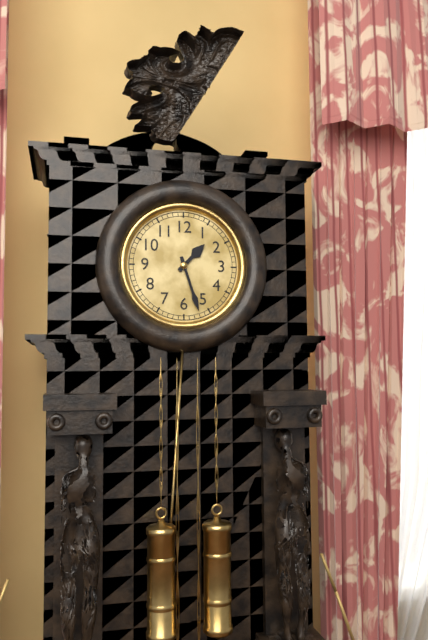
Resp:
1:27
